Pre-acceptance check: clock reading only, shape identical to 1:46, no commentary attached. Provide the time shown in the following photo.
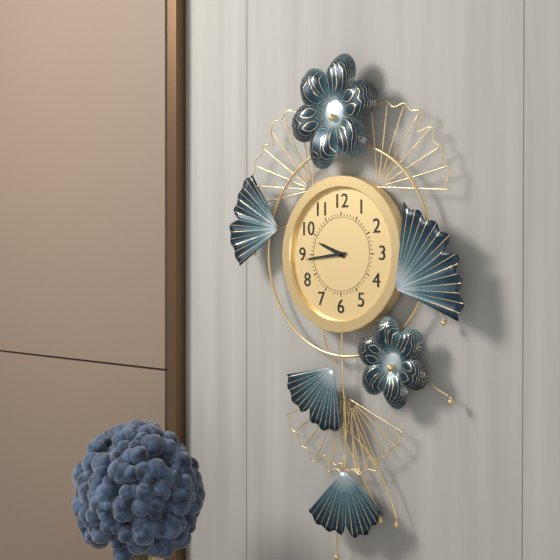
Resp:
9:44
